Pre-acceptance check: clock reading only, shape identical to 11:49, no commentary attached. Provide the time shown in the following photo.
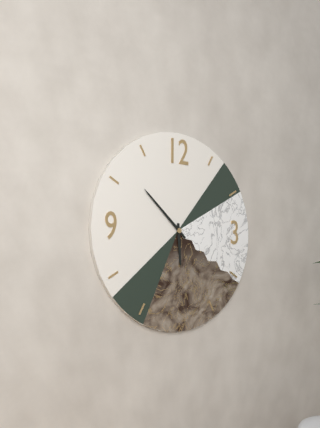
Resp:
5:52
